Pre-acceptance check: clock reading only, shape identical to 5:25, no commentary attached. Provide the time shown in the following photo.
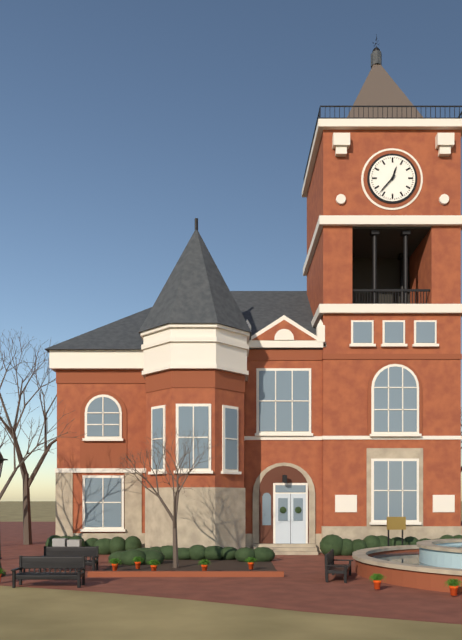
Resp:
12:37
